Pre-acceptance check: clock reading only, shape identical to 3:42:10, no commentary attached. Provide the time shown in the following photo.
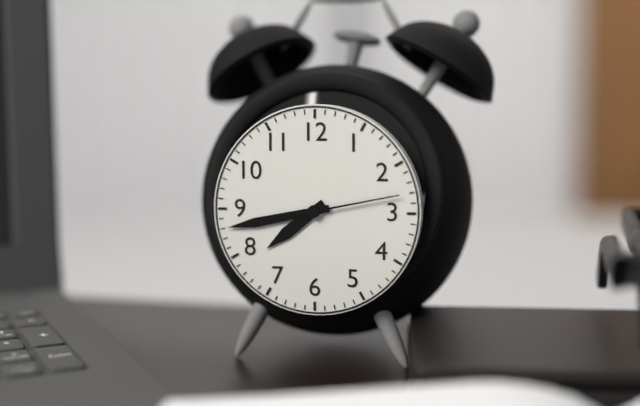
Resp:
7:43:13
